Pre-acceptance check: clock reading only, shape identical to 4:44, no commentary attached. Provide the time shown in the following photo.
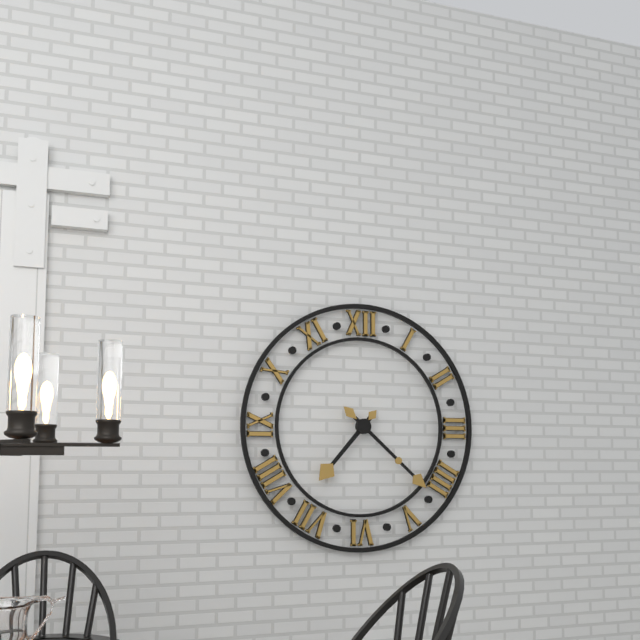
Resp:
7:22
